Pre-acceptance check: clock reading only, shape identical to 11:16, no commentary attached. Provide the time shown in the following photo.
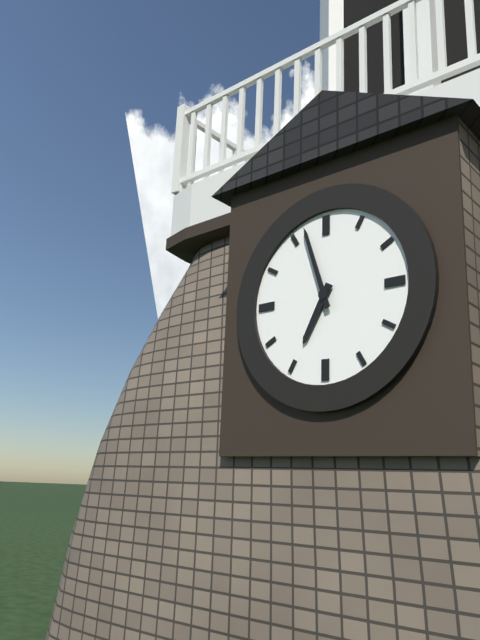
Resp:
6:57
